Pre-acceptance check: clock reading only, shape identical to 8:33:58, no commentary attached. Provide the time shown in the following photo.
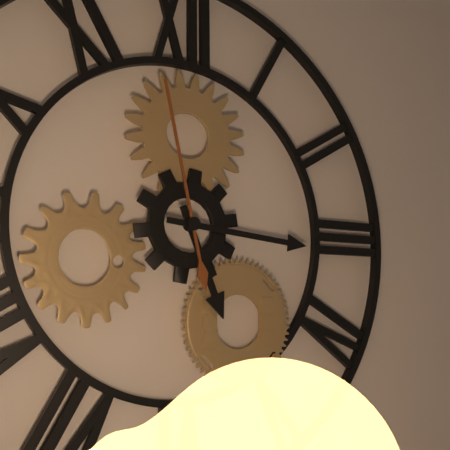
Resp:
5:16:58
